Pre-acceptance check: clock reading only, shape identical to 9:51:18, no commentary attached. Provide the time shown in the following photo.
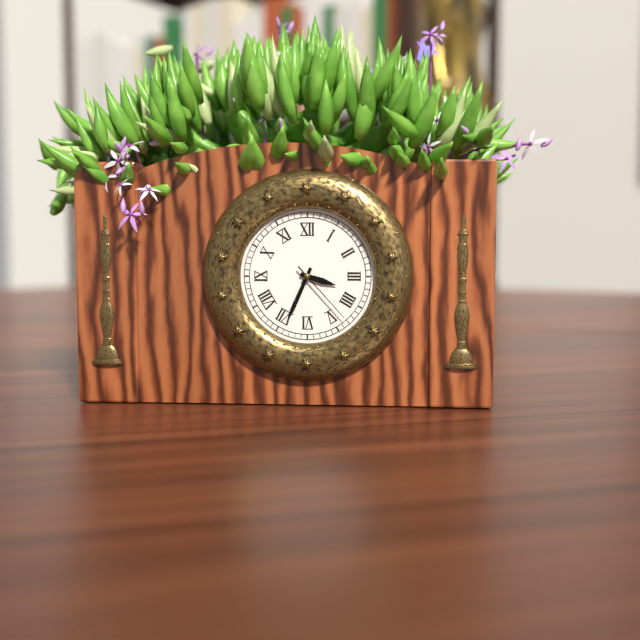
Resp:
3:34:23
